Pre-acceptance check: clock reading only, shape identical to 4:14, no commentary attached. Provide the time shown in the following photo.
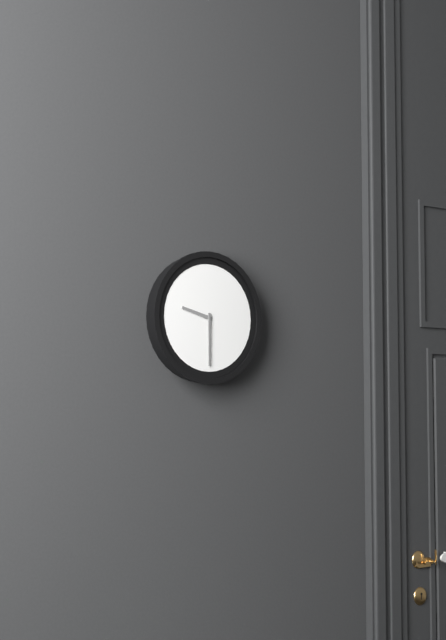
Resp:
9:30
